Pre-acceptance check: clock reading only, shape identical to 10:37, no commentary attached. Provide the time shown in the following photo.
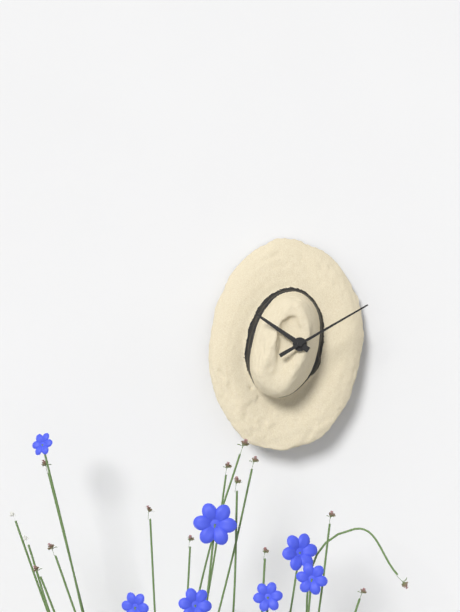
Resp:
10:10
